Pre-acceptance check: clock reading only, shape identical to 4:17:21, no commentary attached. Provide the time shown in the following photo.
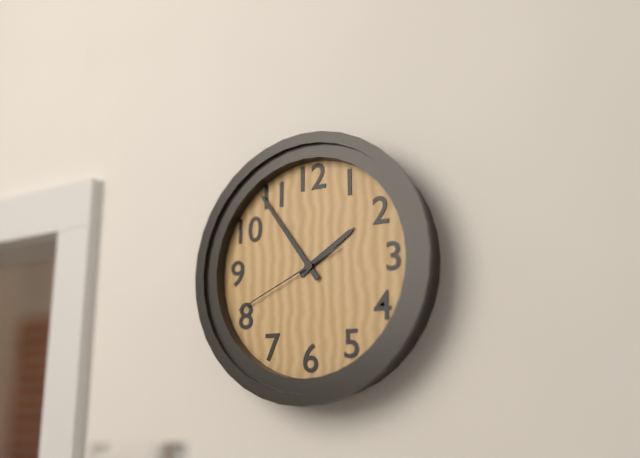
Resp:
1:54:41
